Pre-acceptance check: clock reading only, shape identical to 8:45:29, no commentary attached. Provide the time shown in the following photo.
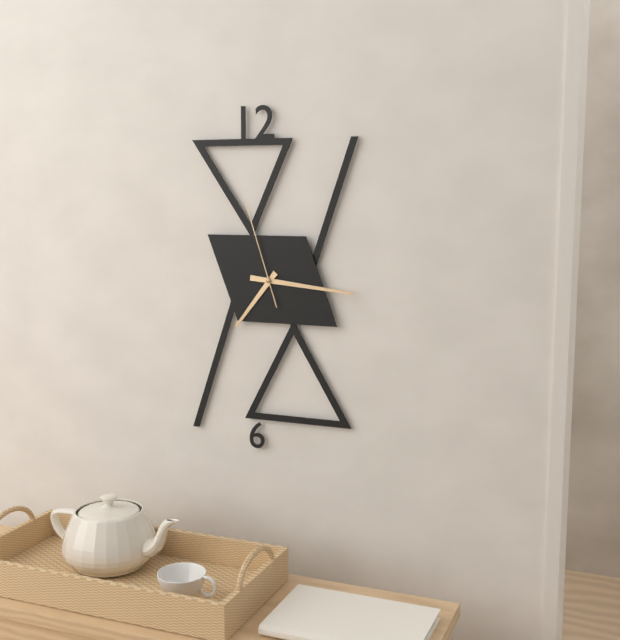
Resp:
7:16:57
